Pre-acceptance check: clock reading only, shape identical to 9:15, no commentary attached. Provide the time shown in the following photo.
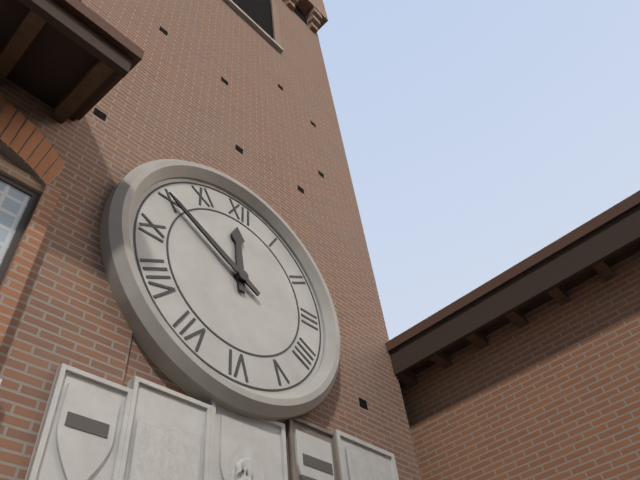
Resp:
11:50
